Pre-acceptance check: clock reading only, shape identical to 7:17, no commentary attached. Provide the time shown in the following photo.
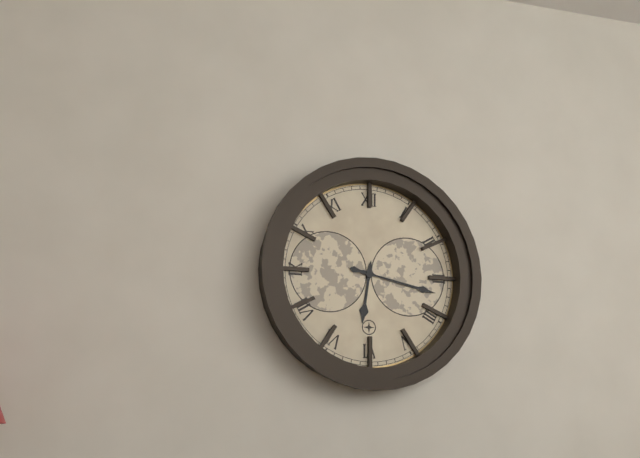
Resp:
6:17
